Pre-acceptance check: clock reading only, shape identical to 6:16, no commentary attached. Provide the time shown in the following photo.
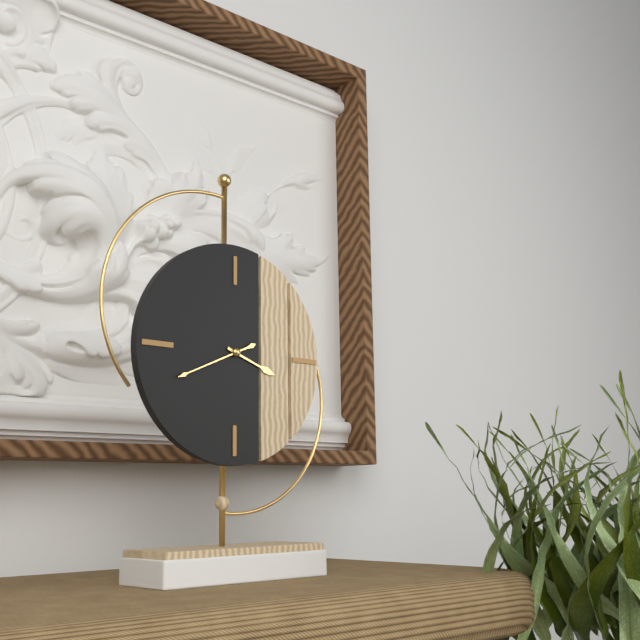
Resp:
3:41
